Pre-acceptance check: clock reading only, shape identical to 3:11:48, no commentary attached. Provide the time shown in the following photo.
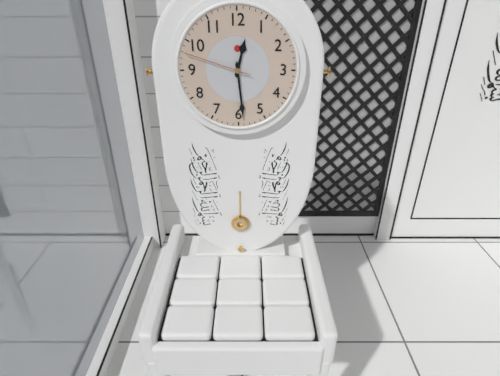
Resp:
12:29:48
